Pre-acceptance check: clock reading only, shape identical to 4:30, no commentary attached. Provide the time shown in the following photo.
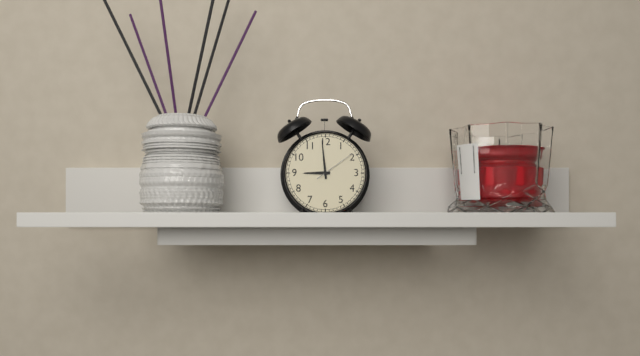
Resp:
8:59
